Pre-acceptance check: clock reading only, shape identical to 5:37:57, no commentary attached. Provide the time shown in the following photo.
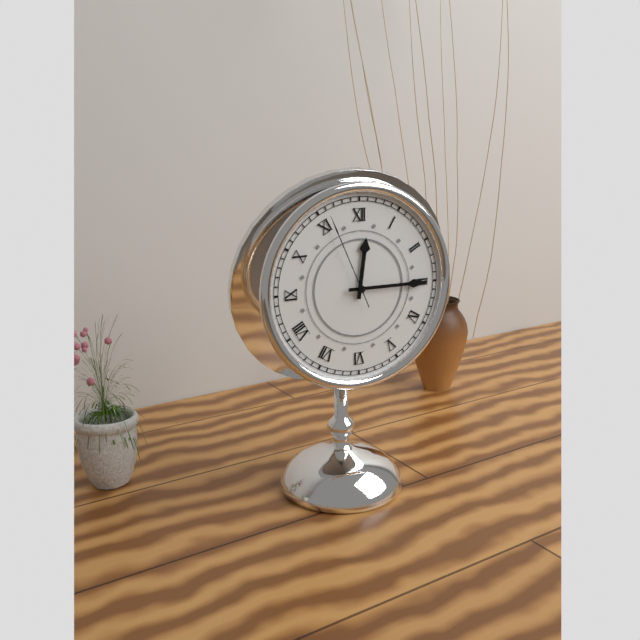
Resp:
12:15:56
